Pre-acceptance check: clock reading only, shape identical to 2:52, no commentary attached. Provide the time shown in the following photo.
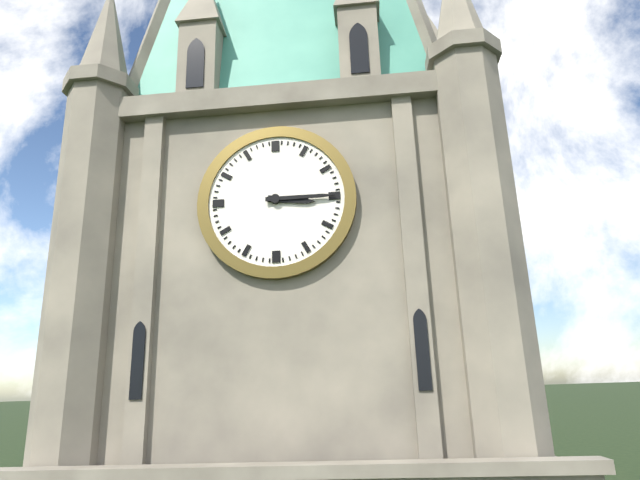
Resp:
3:15
